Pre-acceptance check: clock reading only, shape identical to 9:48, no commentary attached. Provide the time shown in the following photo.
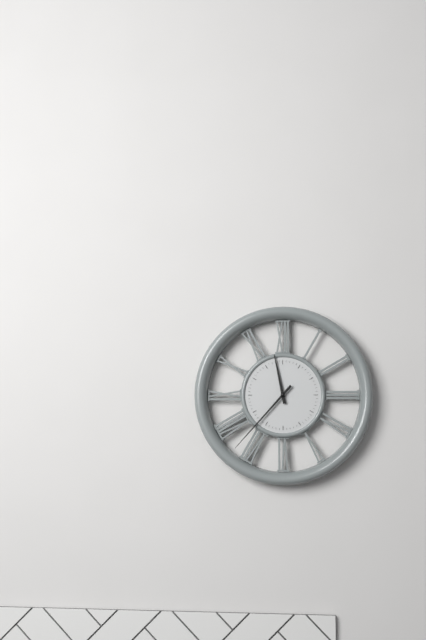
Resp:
11:37
